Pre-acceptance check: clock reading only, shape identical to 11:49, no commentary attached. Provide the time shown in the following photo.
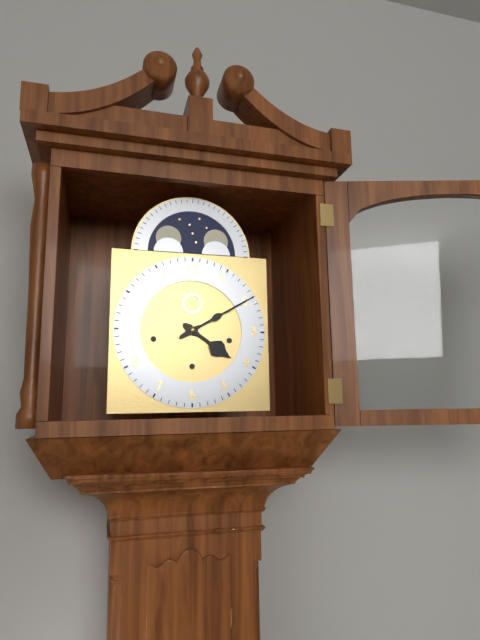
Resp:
4:10
